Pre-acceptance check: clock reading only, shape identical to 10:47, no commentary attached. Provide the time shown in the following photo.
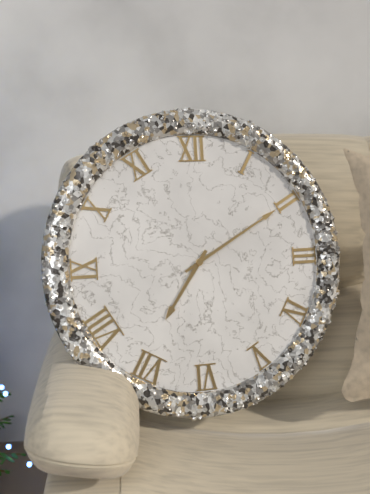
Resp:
7:10
